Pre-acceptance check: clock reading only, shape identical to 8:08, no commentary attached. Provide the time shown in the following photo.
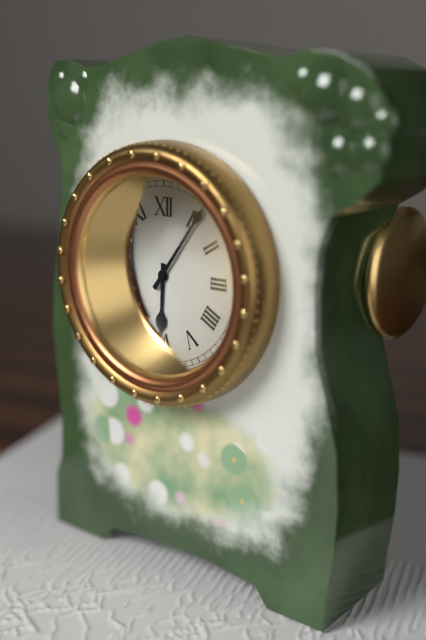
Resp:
6:06
